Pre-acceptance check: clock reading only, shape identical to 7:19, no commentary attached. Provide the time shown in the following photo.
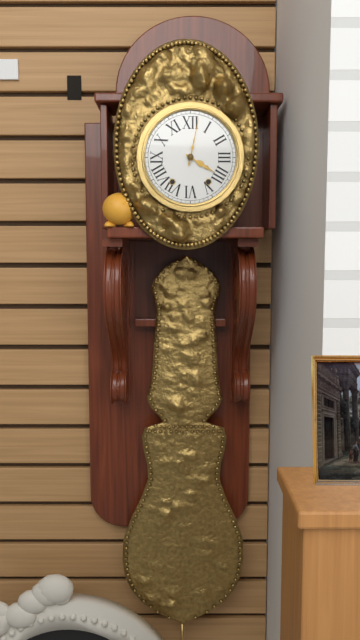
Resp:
4:02
